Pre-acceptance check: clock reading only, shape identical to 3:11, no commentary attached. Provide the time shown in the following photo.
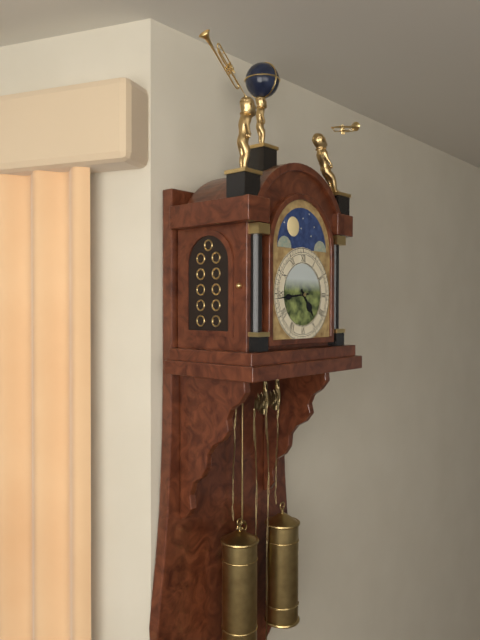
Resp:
4:44
